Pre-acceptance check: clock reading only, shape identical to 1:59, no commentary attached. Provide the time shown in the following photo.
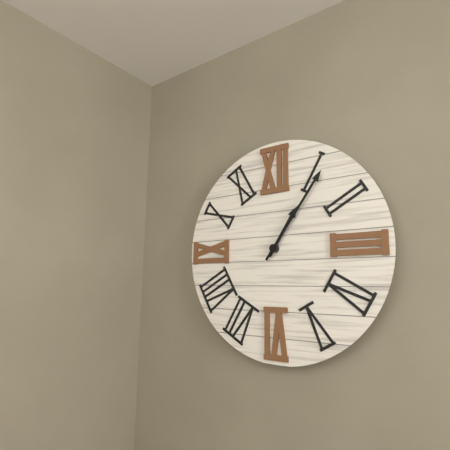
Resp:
1:06
